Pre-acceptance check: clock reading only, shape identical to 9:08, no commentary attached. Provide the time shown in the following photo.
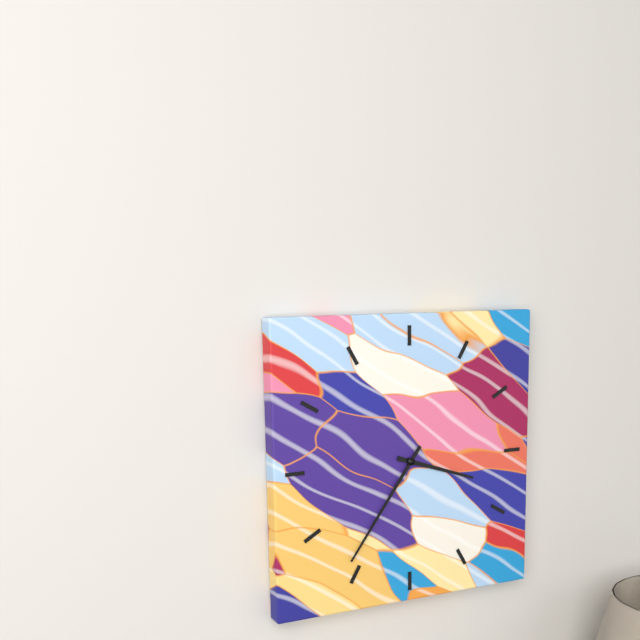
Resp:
3:36
